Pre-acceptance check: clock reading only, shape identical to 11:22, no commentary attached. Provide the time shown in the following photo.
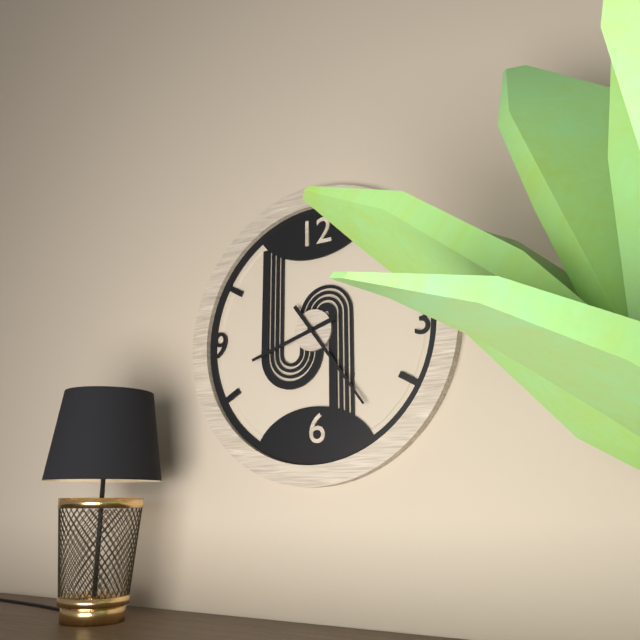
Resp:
8:24
